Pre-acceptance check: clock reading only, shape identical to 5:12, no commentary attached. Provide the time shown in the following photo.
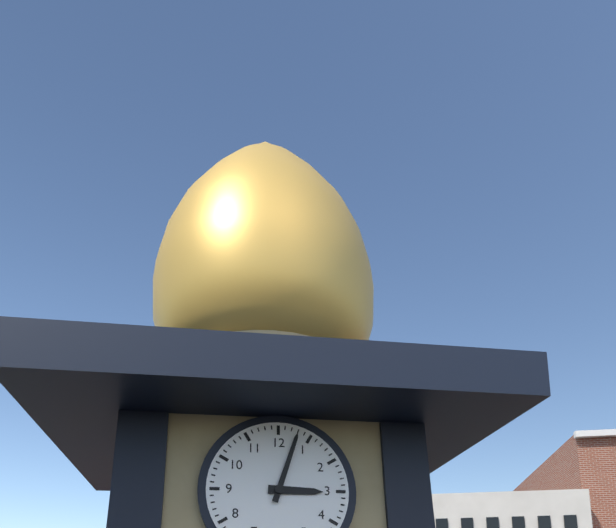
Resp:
3:03
